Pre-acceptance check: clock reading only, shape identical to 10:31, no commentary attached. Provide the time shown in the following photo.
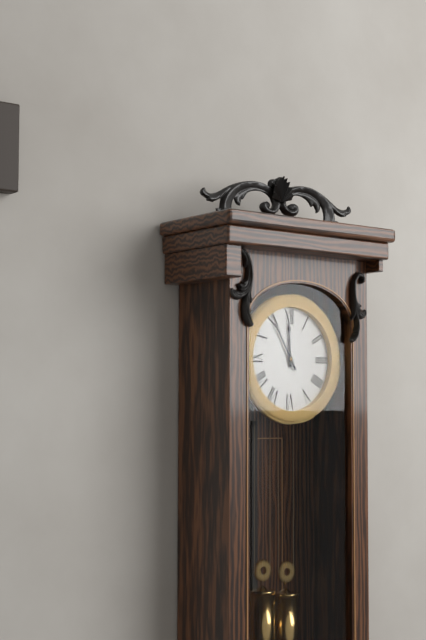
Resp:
11:55
